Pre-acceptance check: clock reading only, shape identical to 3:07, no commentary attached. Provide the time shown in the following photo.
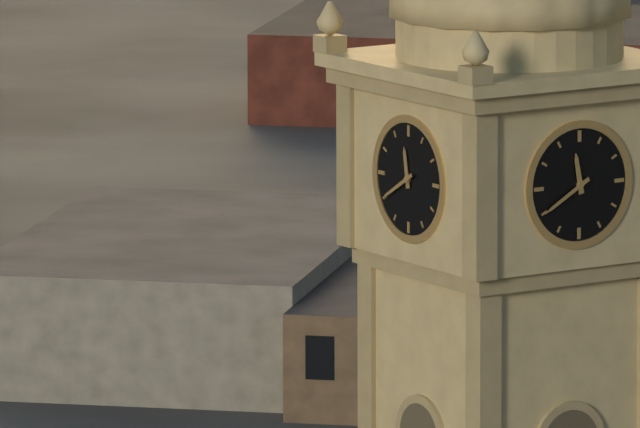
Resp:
11:40
